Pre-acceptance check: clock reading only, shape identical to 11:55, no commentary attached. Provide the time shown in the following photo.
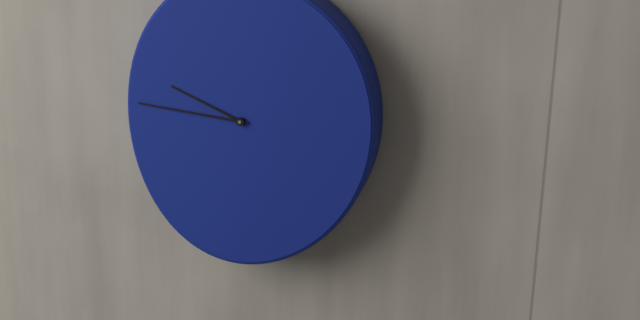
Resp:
9:46
